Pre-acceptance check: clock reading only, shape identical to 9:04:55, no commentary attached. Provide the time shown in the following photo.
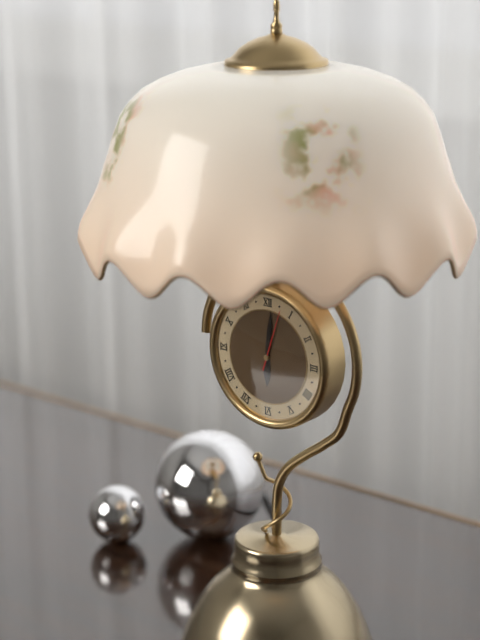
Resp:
6:01:03
